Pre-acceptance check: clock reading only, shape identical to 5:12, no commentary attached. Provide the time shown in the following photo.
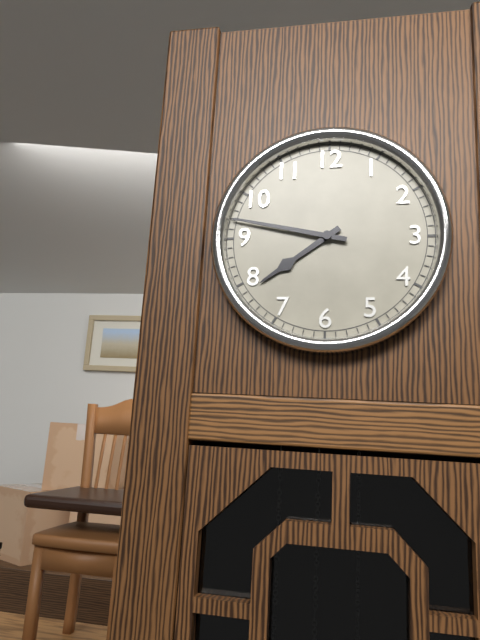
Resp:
7:47
